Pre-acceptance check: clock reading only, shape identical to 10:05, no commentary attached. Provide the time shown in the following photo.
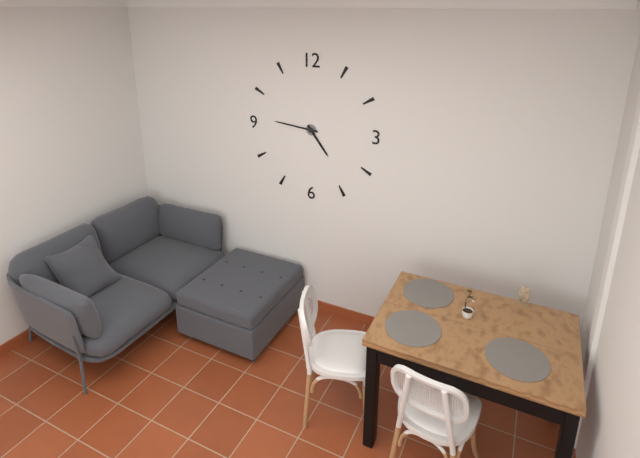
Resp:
4:46
